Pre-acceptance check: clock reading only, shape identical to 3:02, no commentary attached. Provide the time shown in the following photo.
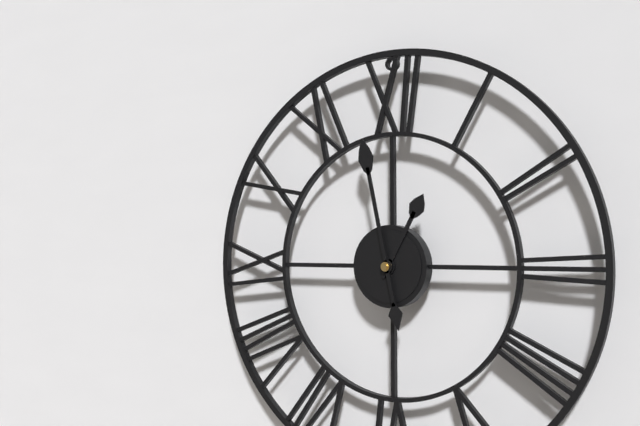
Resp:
12:58
